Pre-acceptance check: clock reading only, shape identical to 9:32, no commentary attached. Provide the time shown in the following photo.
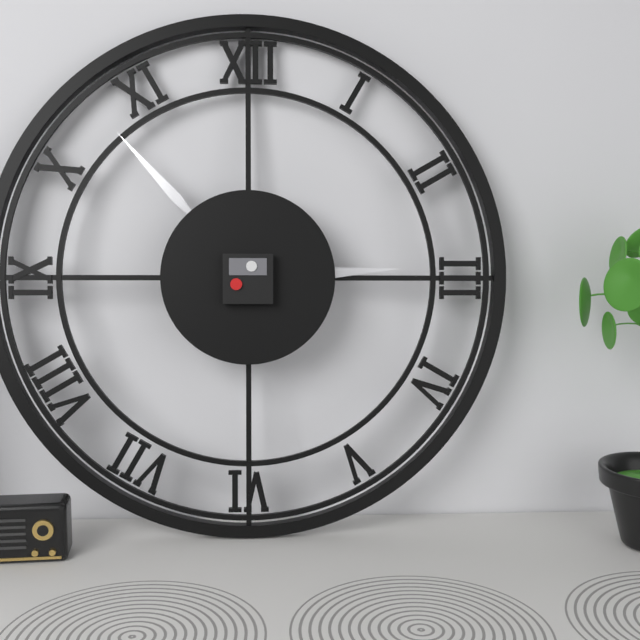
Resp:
2:53
